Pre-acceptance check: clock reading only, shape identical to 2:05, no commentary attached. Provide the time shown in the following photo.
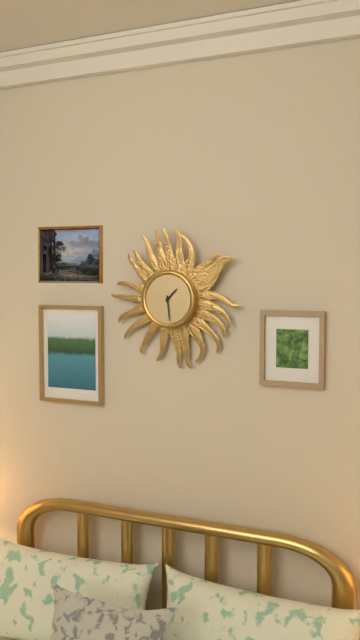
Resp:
1:29
